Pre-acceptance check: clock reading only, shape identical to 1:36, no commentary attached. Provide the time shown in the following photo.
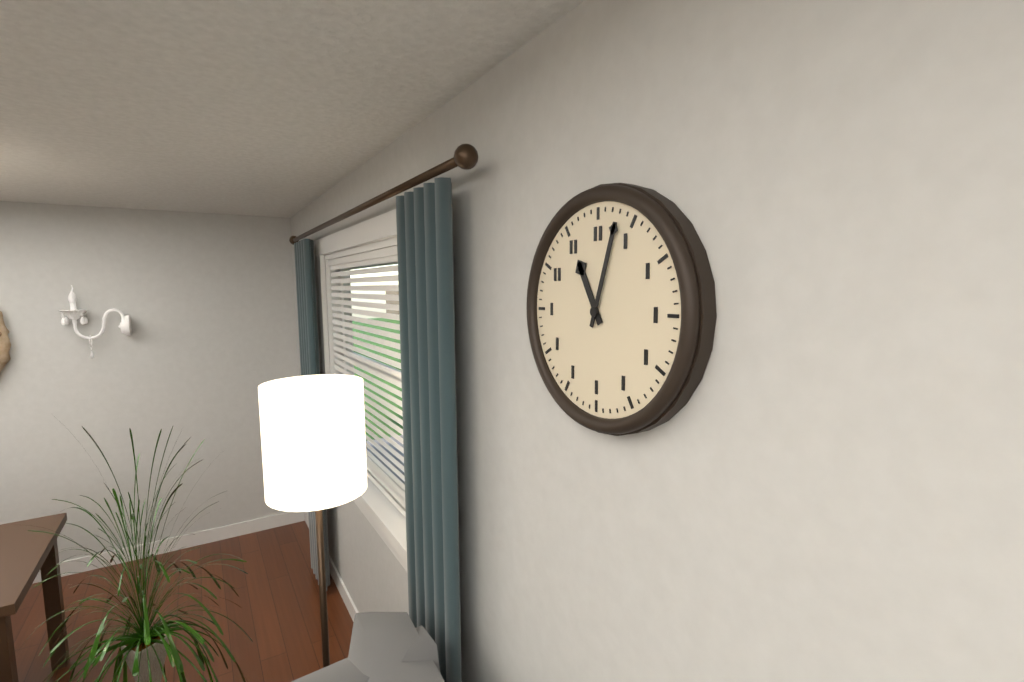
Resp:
11:03
